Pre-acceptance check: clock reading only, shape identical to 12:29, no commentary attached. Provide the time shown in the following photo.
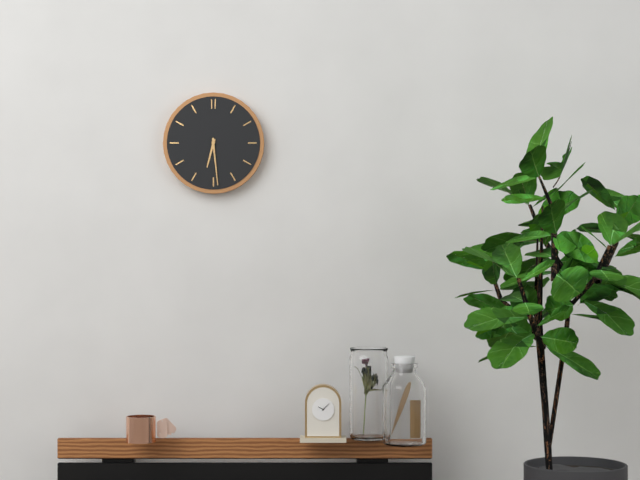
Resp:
6:29
